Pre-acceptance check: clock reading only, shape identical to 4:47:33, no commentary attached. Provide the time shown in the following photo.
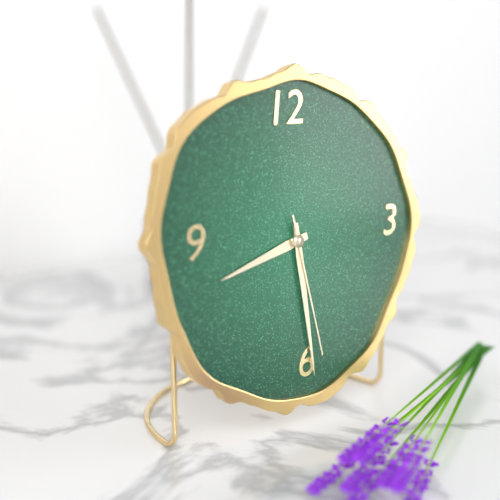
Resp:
8:29:28
